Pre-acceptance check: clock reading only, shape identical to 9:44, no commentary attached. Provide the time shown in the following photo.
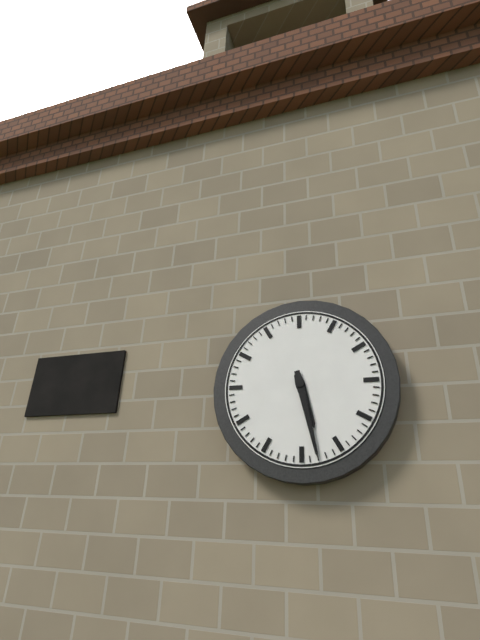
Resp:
5:28
